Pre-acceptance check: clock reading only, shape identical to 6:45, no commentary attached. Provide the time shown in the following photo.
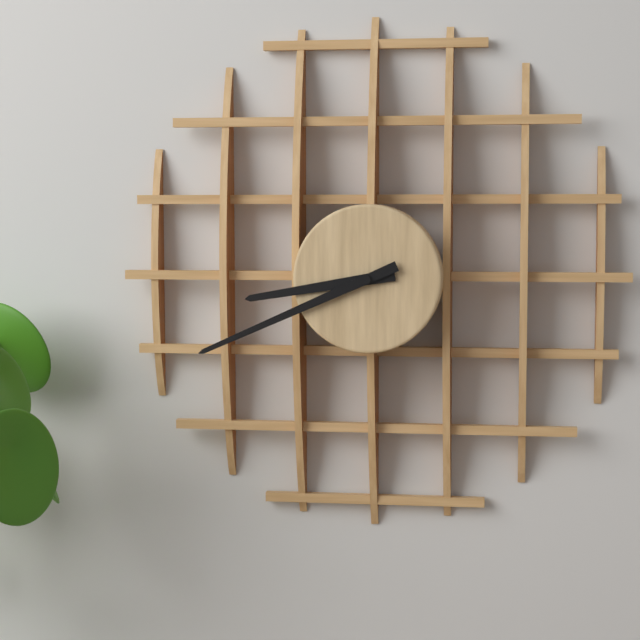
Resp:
8:41
